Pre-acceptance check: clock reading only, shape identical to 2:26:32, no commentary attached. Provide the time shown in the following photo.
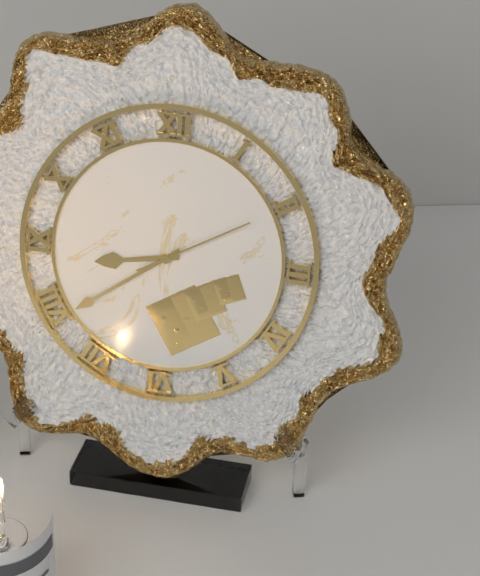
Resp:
8:39:10
